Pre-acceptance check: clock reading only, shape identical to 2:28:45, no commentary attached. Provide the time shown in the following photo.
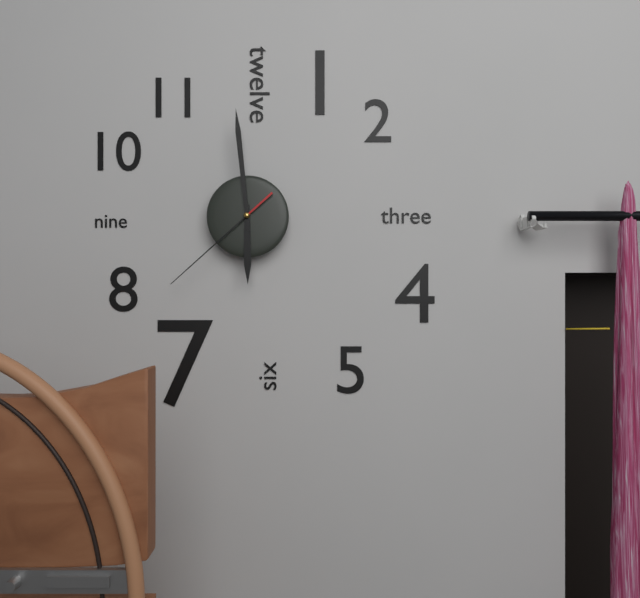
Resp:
5:59:38
